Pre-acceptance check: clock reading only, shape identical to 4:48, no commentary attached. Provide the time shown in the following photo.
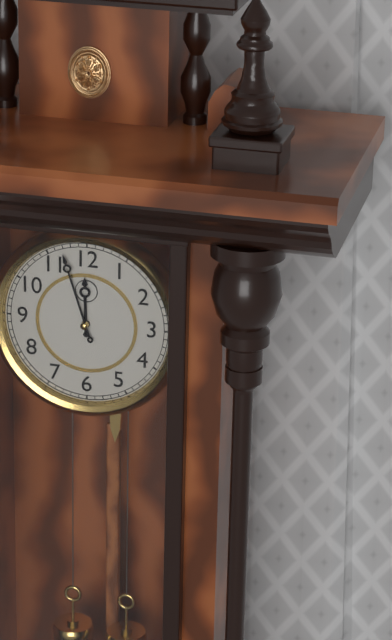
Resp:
11:57
